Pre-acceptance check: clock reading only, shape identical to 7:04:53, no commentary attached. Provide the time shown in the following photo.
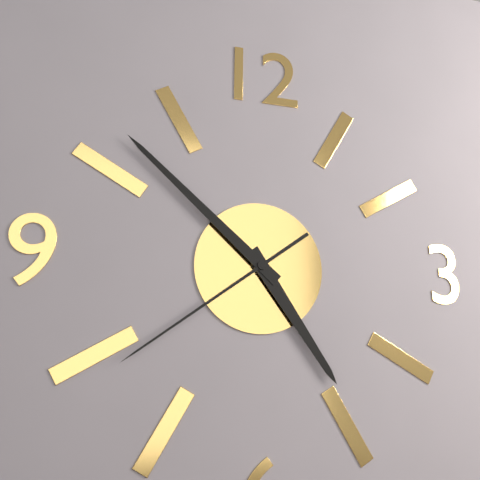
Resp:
4:52:39
